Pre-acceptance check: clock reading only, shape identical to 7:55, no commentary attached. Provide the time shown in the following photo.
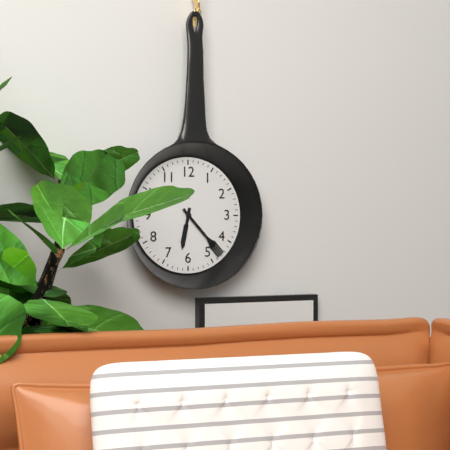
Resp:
6:23
